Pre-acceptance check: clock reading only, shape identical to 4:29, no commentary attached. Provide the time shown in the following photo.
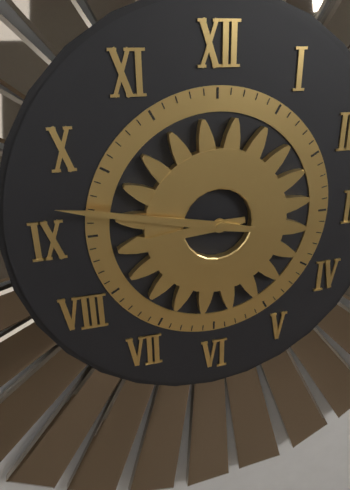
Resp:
8:47
